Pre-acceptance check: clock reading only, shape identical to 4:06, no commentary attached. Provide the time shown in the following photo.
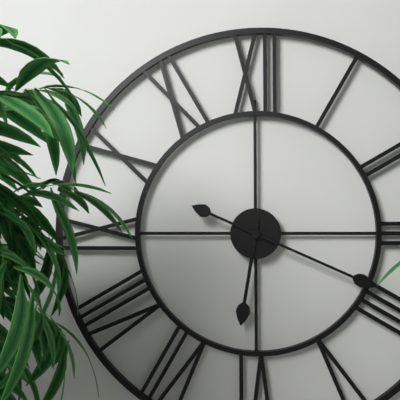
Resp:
6:19
